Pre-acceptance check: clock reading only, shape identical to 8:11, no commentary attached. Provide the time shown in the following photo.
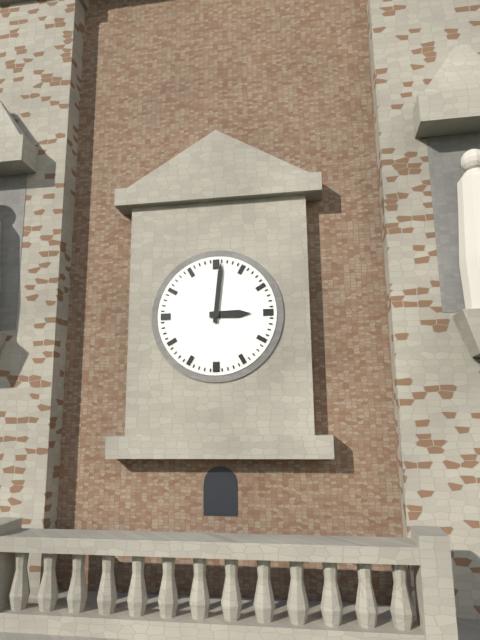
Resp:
3:01
